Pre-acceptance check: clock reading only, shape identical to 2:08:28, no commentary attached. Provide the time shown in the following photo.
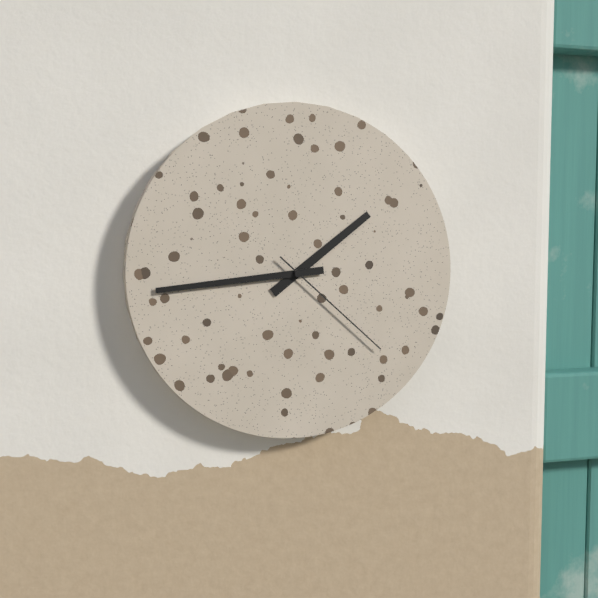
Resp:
1:44:22
